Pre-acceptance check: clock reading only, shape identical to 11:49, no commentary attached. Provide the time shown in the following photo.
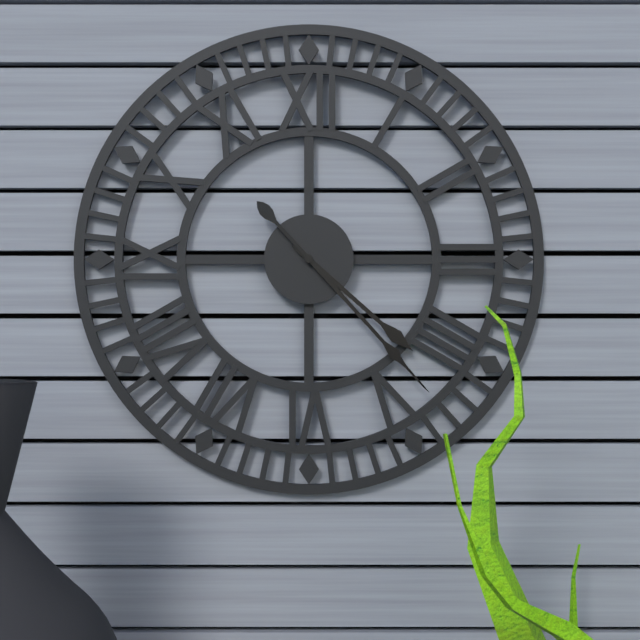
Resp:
4:23
